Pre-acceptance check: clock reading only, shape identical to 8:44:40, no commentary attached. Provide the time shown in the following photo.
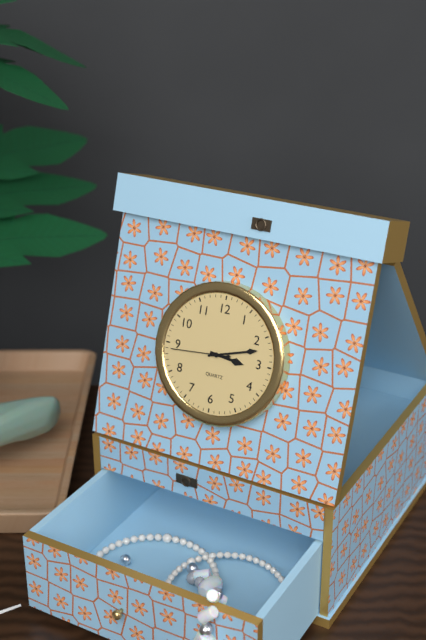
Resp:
3:12:44
